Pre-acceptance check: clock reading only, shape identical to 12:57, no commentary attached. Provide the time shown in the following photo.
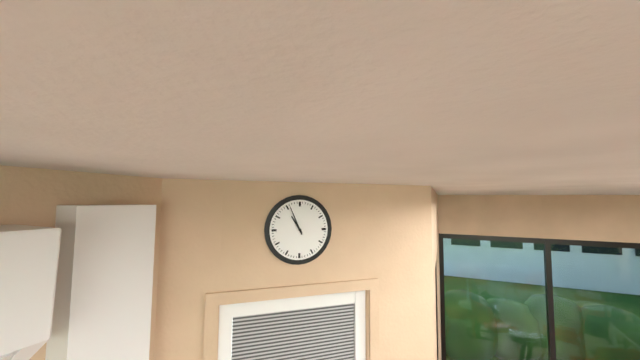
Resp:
10:56
